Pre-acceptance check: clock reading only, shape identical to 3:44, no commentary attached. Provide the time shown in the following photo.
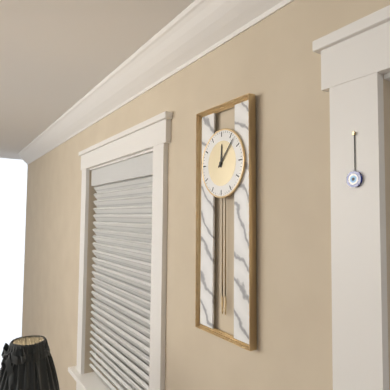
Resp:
12:07
